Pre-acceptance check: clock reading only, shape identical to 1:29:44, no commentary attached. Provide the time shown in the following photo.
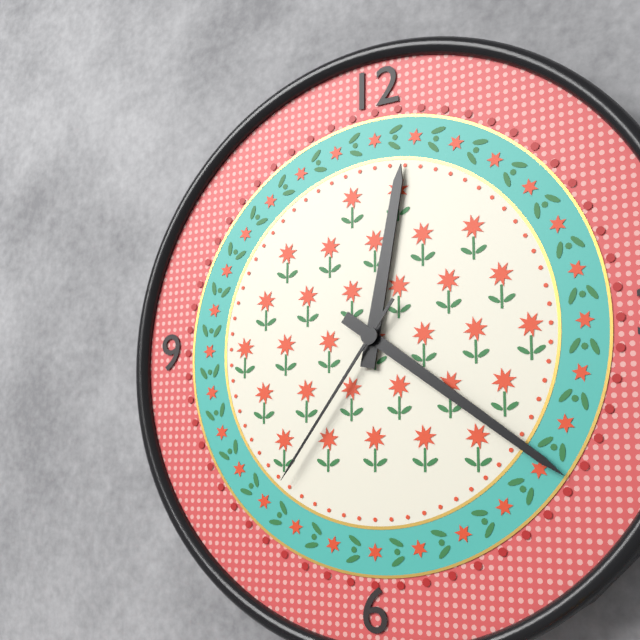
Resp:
12:21:36
